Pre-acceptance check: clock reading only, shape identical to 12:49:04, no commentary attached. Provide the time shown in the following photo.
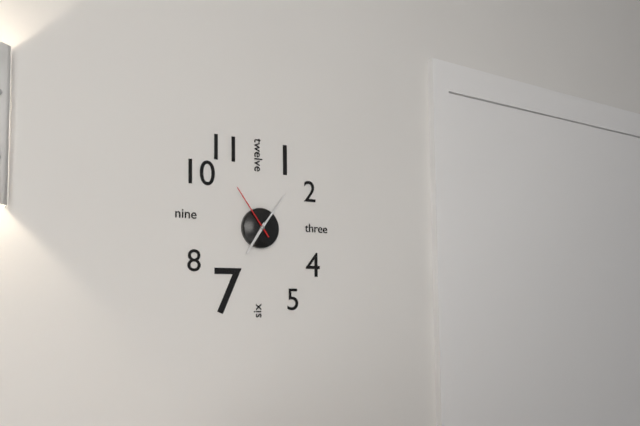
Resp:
7:06:54
